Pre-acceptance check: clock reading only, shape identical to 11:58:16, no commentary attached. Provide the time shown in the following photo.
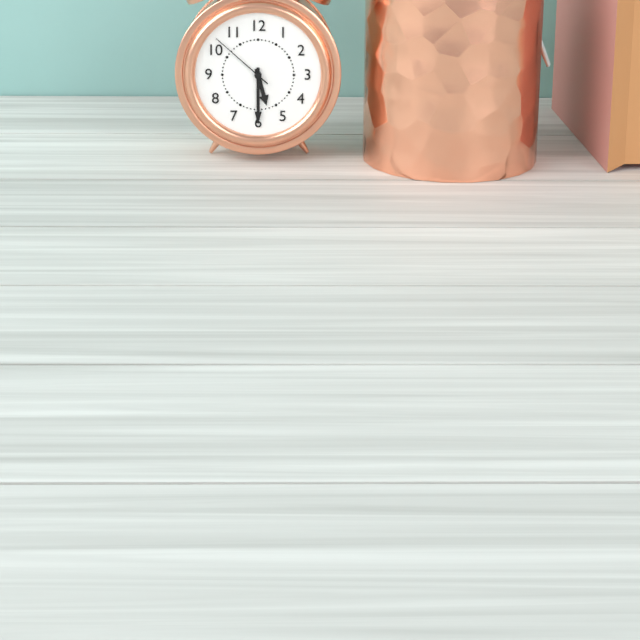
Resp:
5:30:52
